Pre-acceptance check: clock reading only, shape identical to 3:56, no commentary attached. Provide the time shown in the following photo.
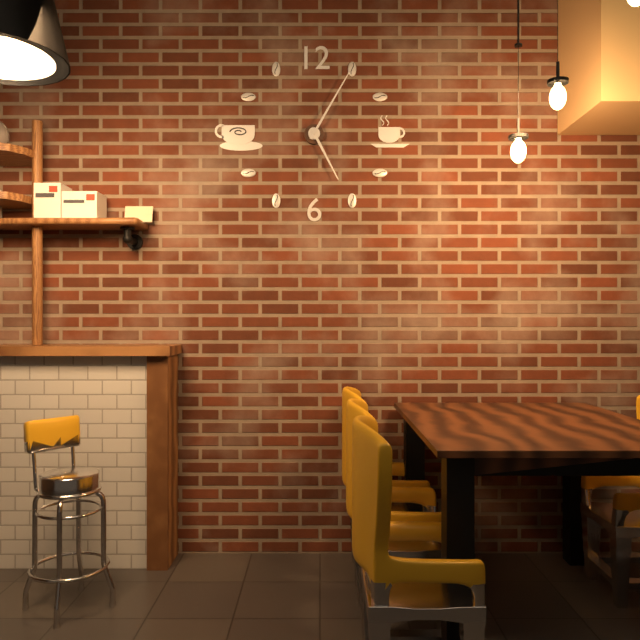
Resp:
5:05
